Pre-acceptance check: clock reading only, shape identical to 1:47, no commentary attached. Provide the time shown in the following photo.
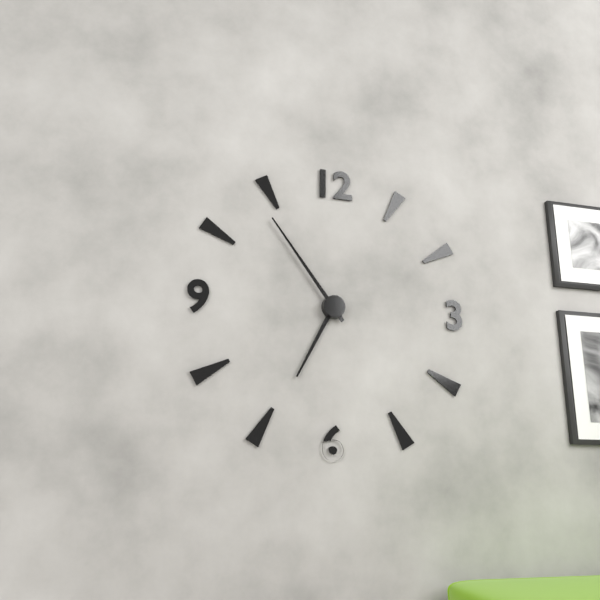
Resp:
6:54
